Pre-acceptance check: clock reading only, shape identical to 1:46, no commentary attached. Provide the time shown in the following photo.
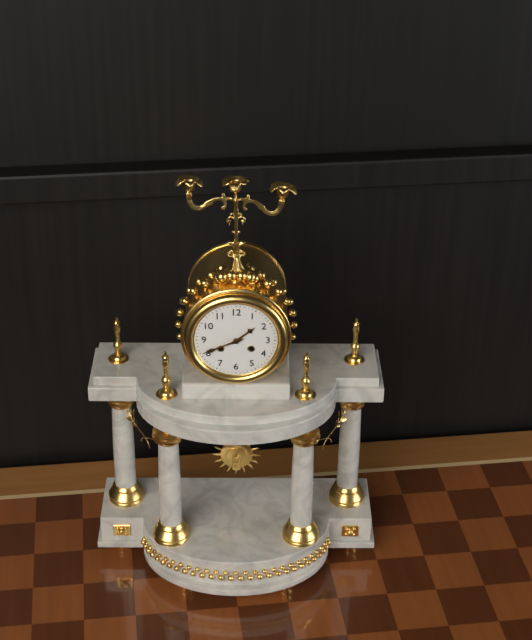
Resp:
1:41
